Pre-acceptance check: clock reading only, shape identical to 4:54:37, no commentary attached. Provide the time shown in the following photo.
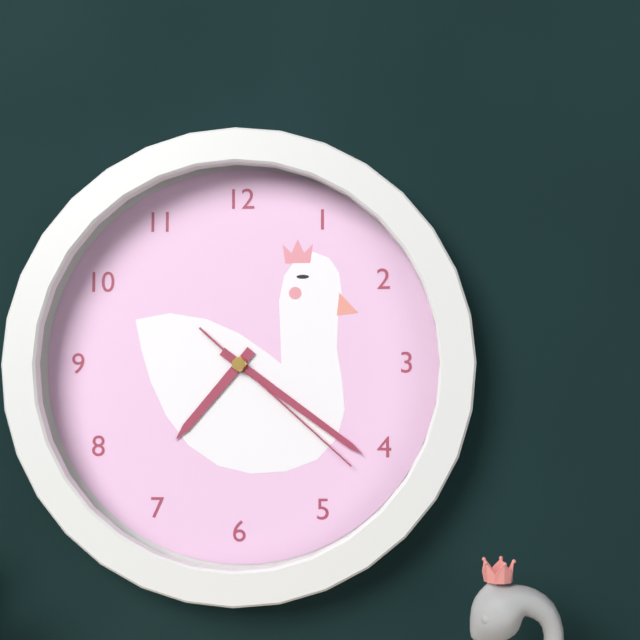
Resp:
7:21:22
